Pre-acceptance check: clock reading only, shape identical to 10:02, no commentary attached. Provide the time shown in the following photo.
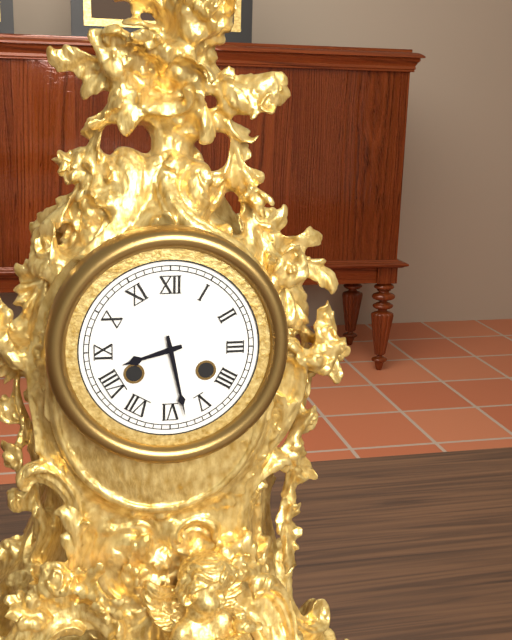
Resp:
8:28
